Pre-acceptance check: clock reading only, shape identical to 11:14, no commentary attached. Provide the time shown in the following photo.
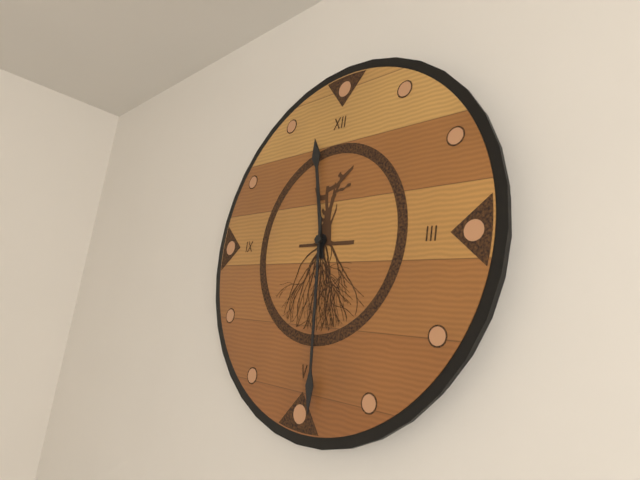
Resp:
11:29
